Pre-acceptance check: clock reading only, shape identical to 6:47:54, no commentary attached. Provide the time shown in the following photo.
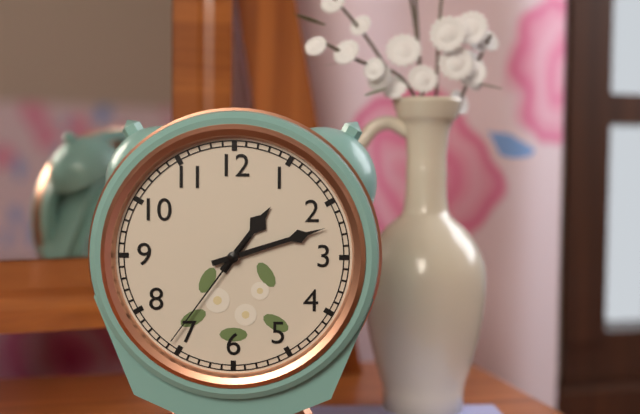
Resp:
1:12:36
